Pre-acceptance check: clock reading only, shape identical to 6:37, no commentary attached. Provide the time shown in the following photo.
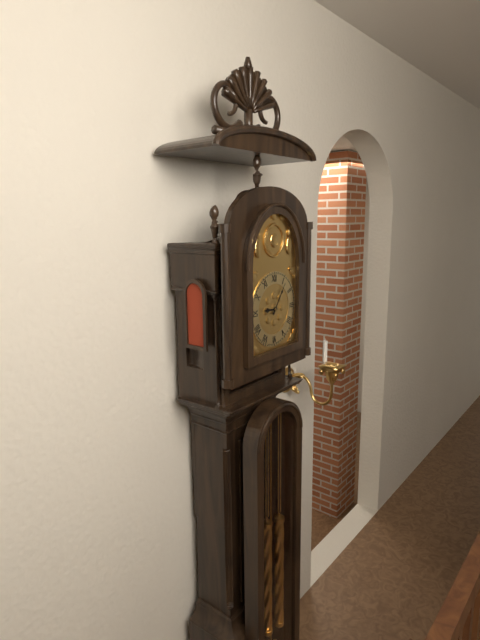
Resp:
9:06
